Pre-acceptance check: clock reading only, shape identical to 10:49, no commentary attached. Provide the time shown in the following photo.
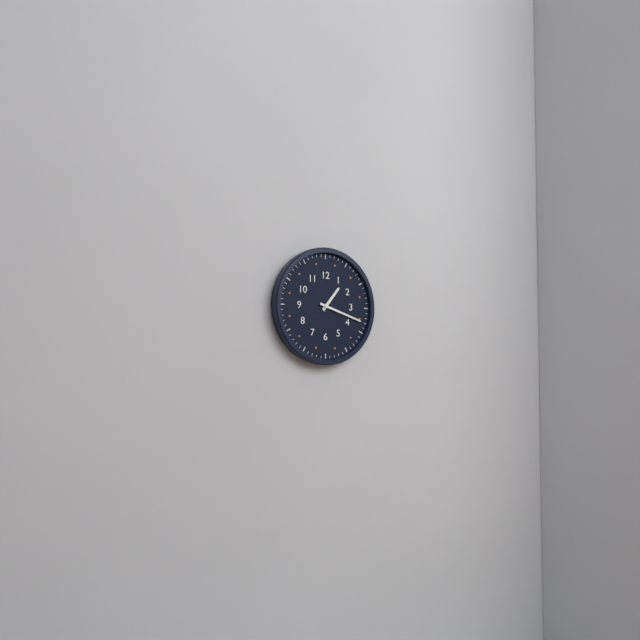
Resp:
1:18
